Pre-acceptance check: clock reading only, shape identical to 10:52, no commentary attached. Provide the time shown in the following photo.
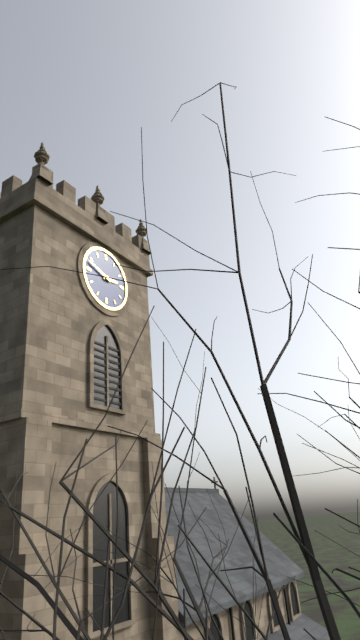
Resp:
2:48
